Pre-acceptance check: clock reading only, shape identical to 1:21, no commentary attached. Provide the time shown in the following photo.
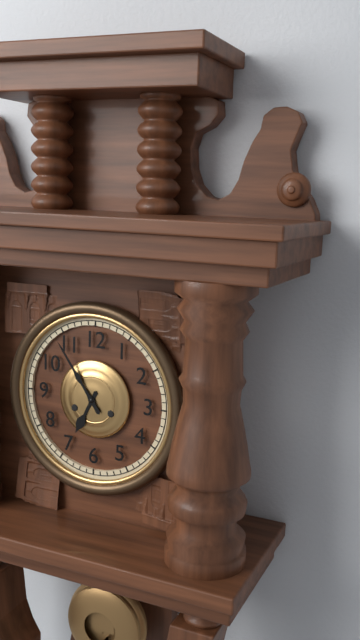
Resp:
6:54
